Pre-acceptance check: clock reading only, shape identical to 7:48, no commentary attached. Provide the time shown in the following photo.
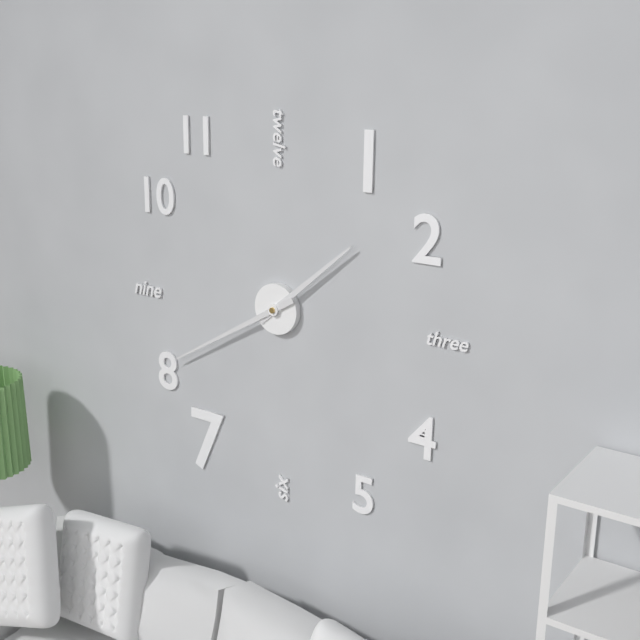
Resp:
1:40
